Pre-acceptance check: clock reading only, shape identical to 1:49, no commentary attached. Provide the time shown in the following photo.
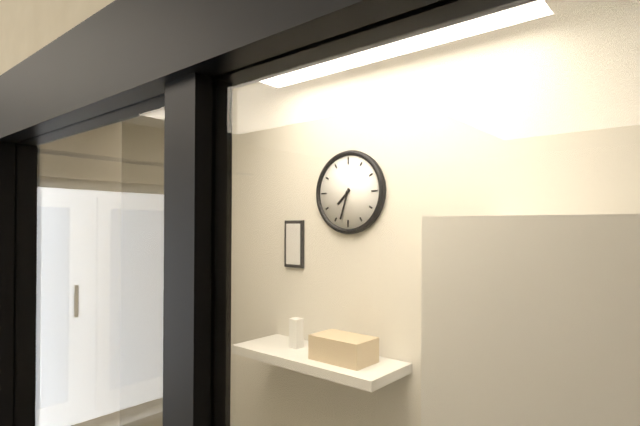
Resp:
7:33
